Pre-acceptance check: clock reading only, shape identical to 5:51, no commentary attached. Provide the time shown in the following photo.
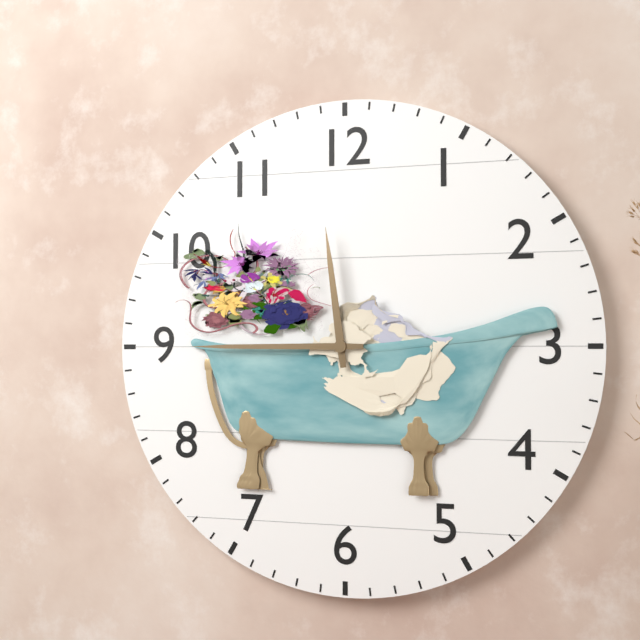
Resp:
11:45
